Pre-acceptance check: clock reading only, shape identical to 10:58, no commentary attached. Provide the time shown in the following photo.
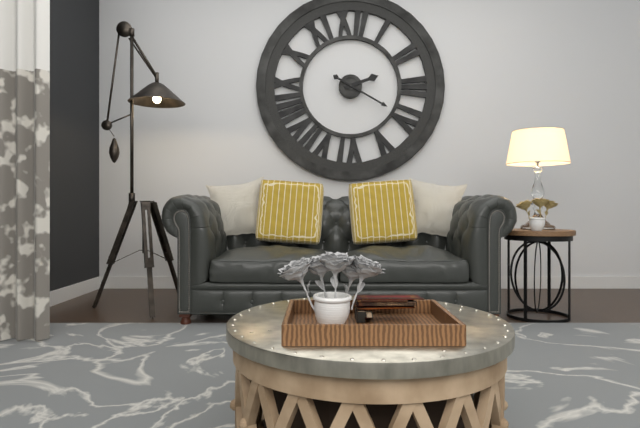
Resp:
2:20
